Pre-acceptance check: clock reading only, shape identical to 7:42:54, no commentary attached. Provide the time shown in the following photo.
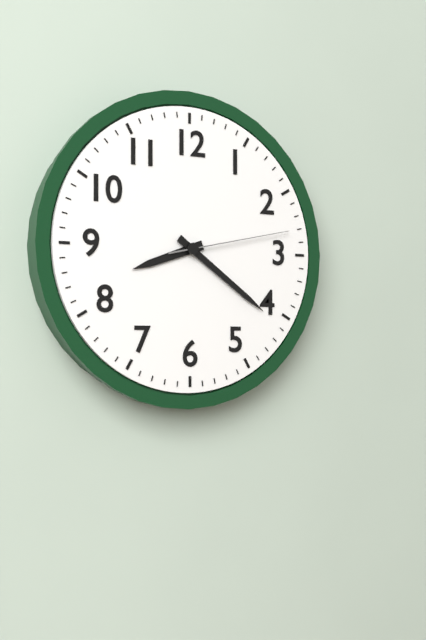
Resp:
8:21:13
